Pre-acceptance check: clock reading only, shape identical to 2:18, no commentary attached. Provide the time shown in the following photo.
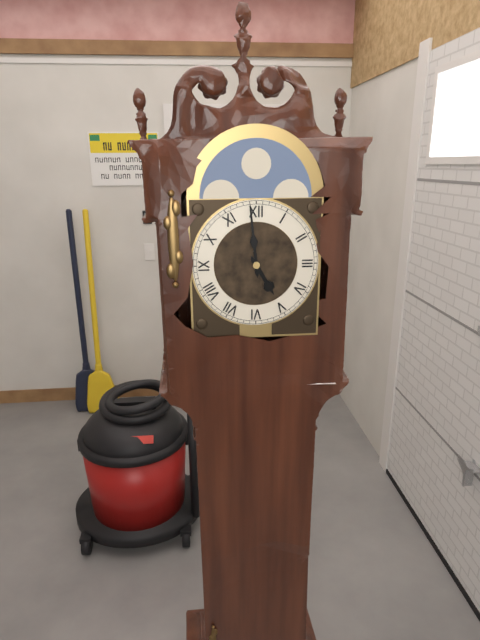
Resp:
4:59
